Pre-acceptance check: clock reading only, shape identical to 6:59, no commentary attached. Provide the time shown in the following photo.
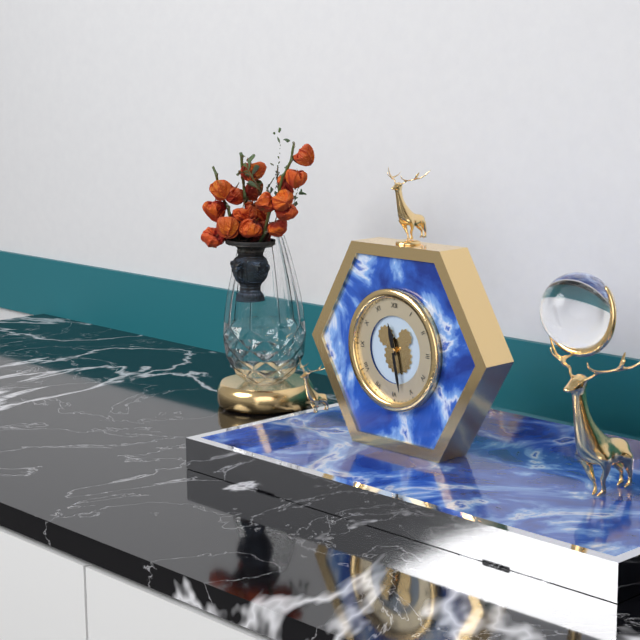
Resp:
11:28
